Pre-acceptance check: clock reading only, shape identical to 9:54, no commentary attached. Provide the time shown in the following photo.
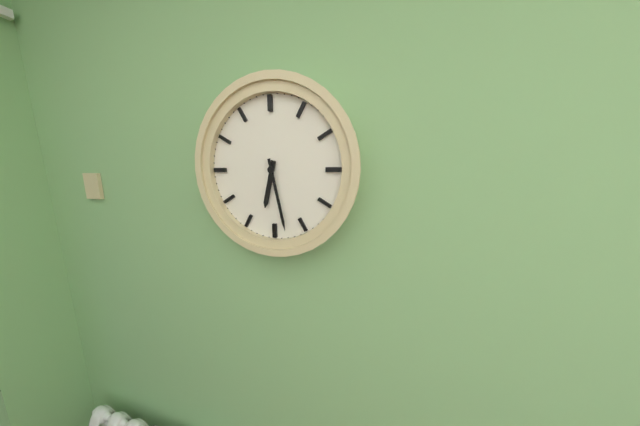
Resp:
6:28
